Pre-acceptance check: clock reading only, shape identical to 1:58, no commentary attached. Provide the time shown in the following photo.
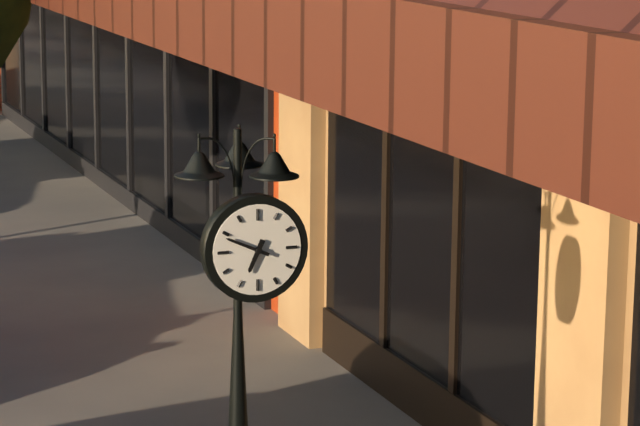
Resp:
6:49
